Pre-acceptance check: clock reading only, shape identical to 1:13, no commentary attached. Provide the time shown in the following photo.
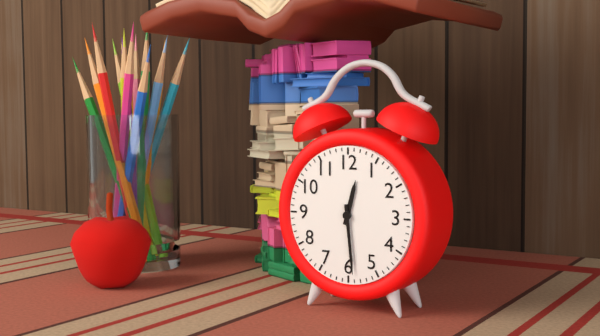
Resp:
12:29
